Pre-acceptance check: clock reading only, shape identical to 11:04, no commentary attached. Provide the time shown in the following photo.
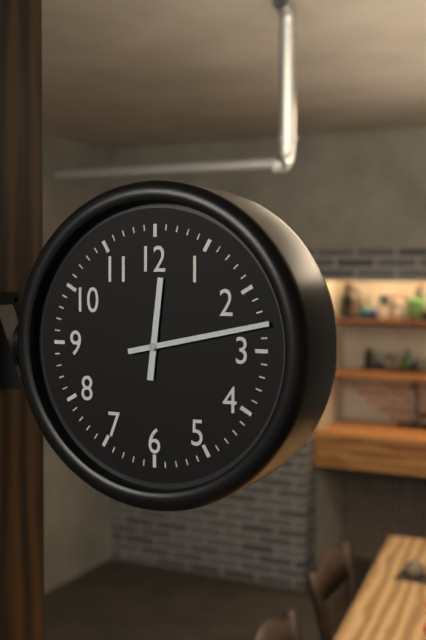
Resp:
12:13
